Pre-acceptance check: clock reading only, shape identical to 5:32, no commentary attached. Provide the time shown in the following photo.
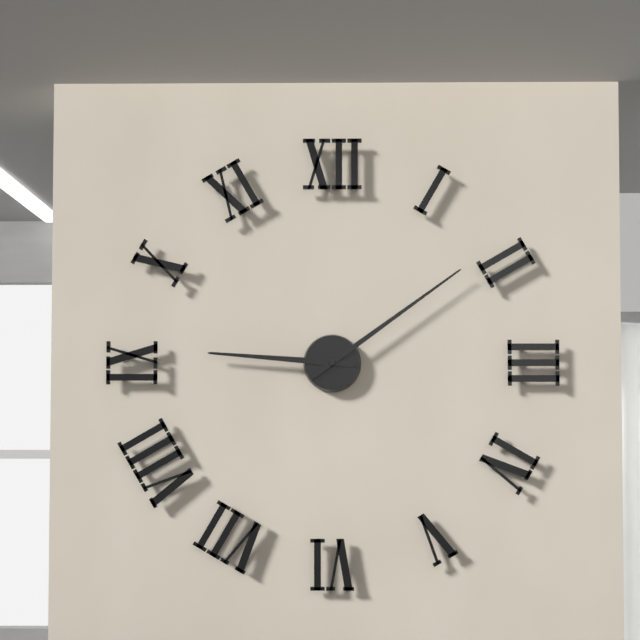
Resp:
9:09
